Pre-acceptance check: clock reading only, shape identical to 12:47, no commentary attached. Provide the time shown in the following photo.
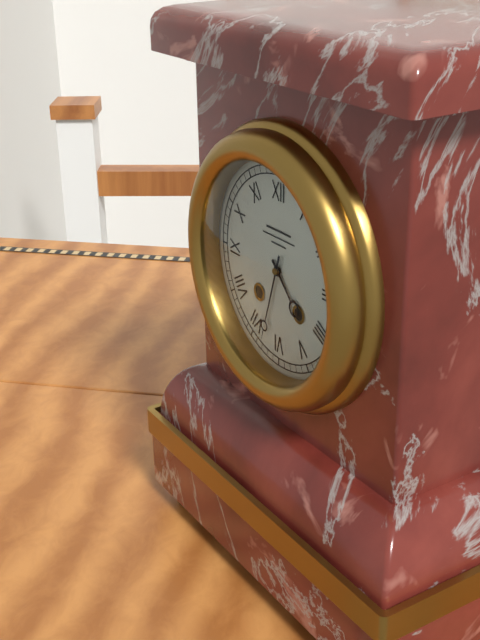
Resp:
4:33
